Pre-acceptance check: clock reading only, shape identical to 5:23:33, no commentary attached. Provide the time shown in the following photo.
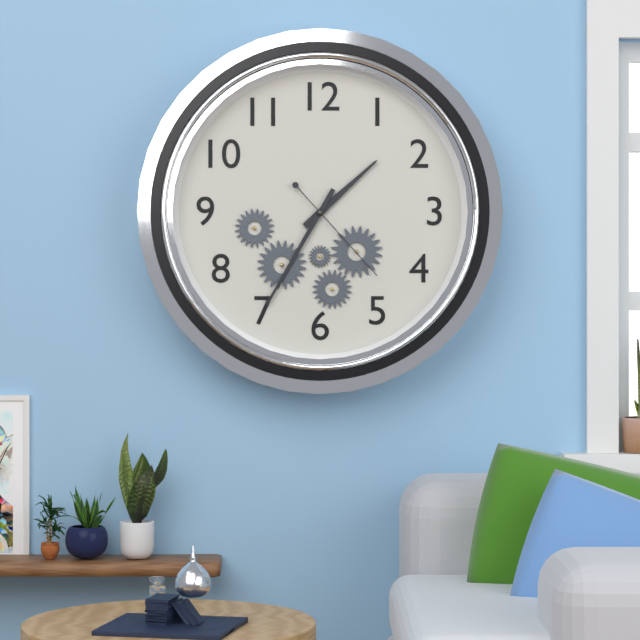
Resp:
1:35:23
